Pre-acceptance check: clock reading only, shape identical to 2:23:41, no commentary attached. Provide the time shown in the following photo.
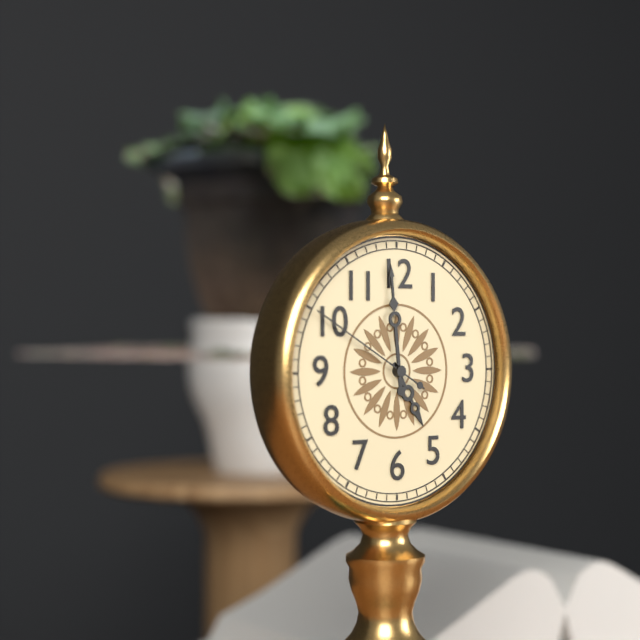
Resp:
4:59:50
